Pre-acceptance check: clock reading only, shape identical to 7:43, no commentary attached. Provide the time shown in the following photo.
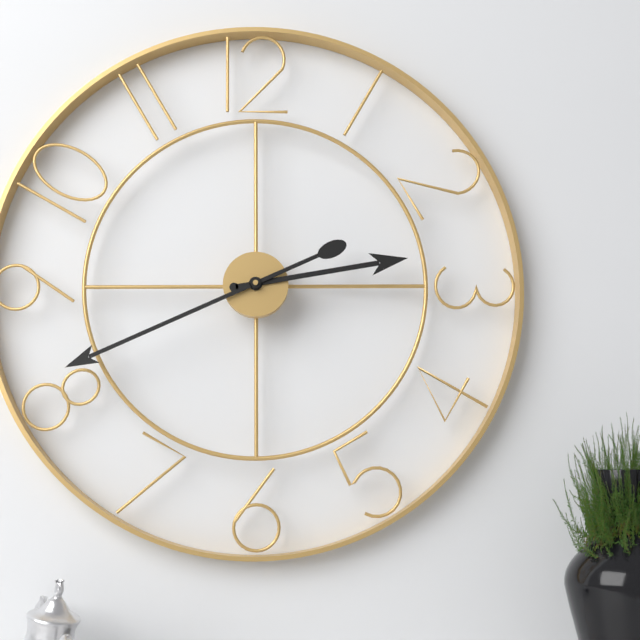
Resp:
2:41
